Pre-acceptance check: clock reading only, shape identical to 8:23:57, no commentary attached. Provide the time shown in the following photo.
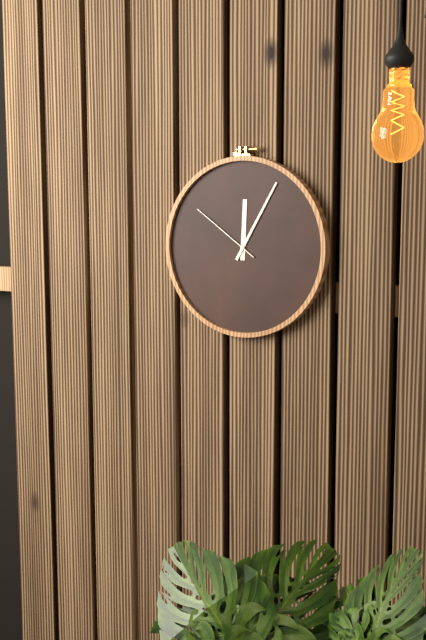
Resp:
12:05:51
